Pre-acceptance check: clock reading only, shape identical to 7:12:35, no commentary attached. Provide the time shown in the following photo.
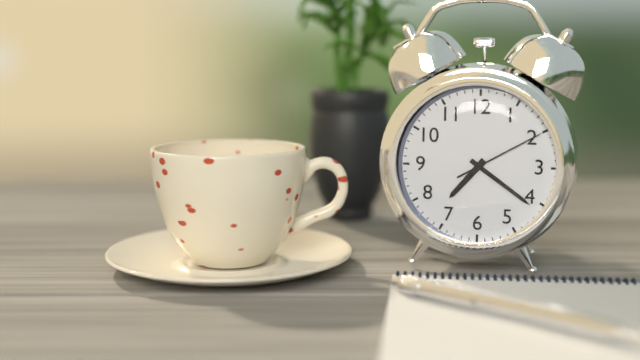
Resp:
7:21:10
